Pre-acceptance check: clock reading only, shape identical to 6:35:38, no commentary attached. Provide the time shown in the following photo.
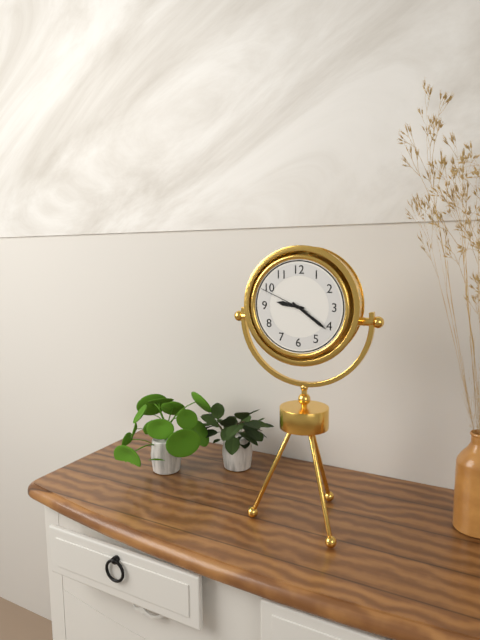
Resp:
9:21:49
